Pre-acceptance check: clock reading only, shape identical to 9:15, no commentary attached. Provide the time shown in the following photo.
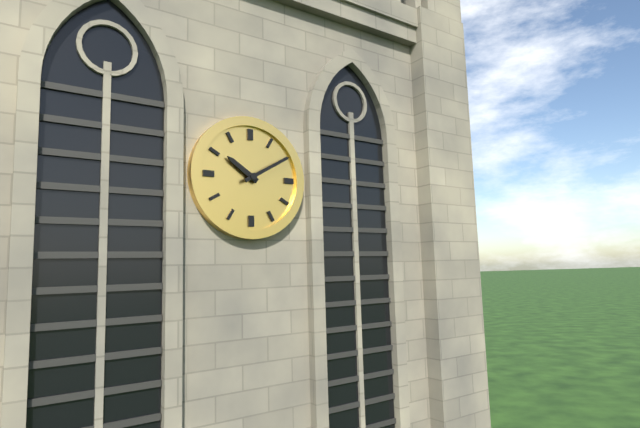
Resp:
10:10
